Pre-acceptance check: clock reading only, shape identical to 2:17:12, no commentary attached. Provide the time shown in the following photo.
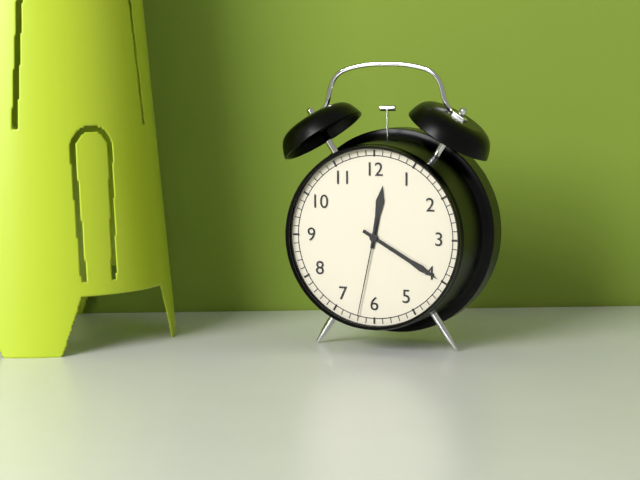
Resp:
12:20:32
